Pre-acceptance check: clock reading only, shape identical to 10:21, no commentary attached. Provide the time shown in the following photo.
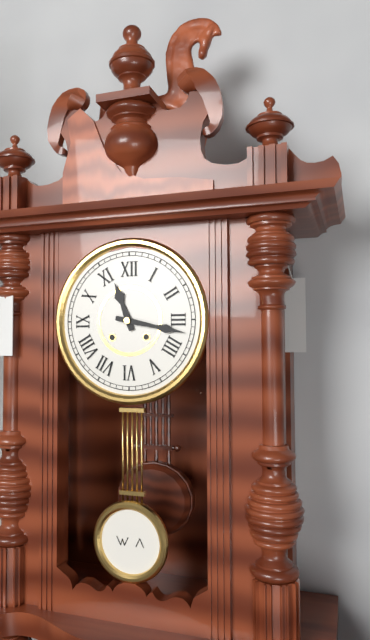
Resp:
11:17
